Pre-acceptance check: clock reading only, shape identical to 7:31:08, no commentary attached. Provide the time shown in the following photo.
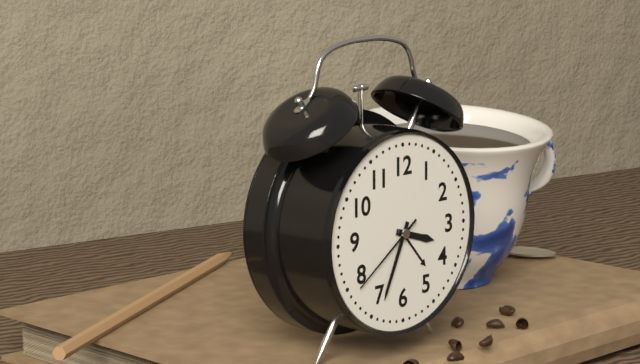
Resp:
3:34:39
